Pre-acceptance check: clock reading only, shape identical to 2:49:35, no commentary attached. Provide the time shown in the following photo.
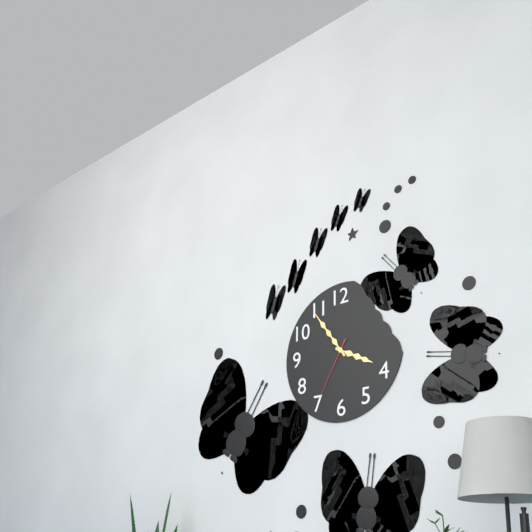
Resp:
3:54:35
